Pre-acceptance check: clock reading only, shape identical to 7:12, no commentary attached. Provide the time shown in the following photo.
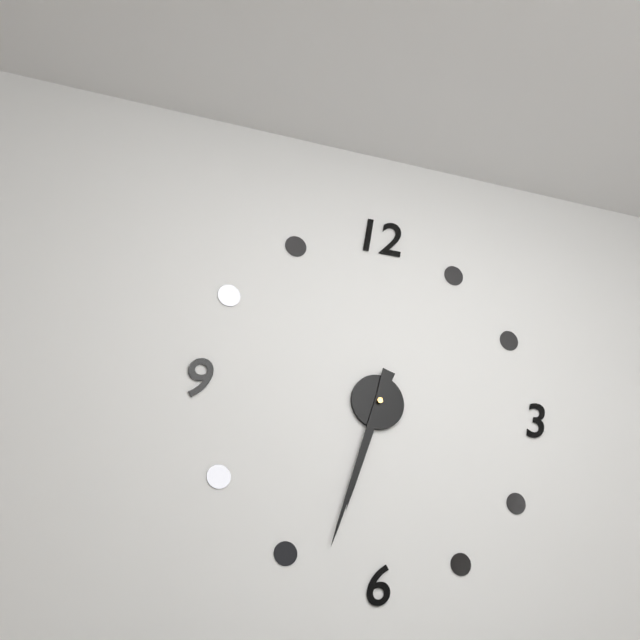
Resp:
6:33
